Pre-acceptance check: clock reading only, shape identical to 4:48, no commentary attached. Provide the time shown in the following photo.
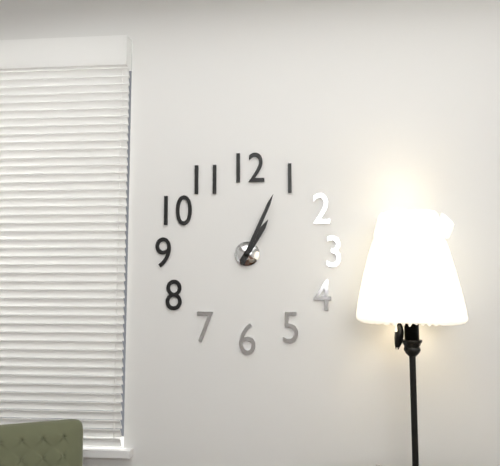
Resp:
1:04
